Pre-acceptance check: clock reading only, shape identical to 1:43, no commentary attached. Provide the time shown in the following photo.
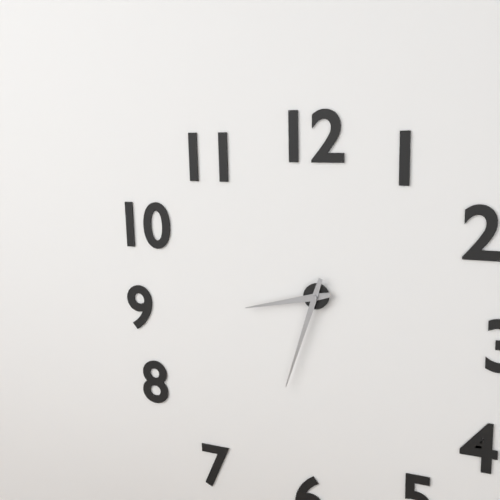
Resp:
8:33
